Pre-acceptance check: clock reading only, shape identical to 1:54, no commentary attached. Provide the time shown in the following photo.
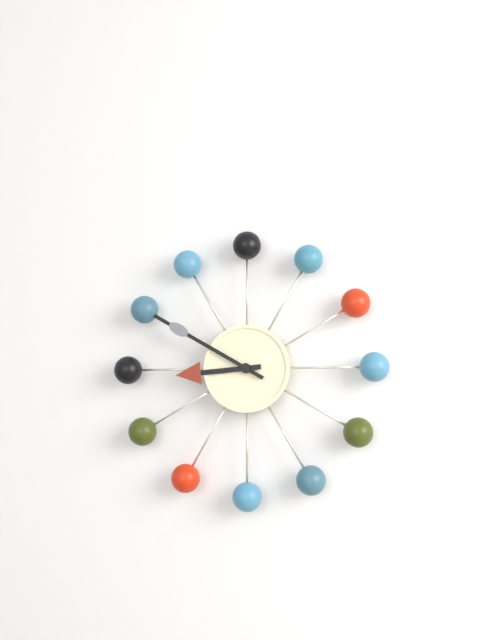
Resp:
8:50
